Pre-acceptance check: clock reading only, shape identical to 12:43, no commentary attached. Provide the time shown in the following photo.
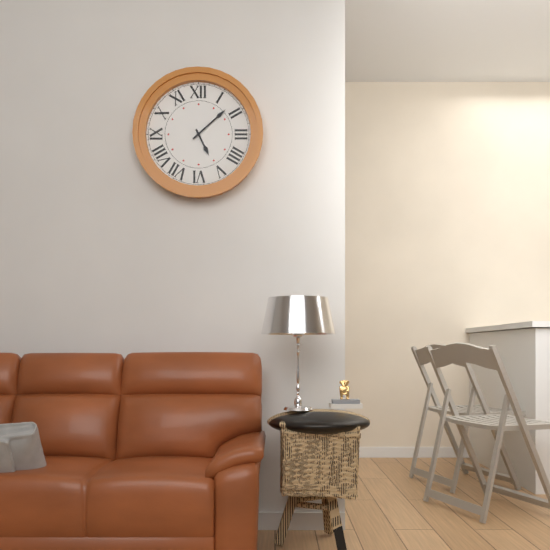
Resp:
5:08
